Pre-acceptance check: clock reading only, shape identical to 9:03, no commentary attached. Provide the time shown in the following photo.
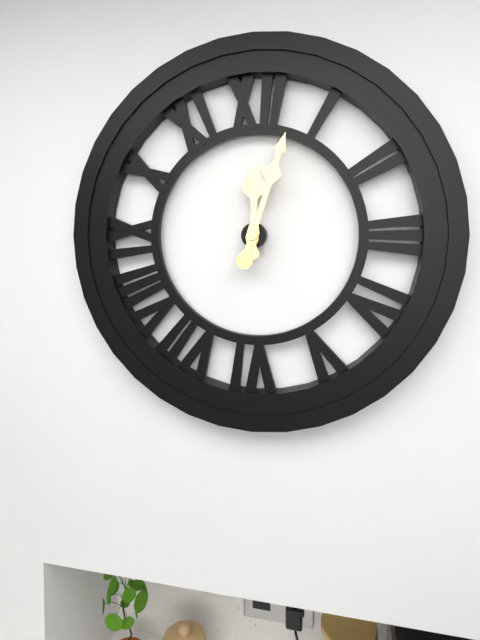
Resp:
12:03
